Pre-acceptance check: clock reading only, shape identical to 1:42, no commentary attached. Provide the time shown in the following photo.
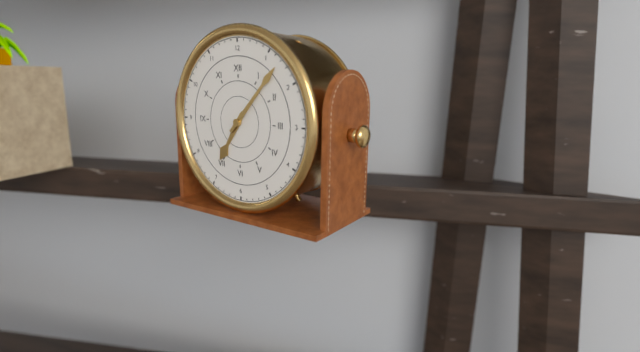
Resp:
7:07
